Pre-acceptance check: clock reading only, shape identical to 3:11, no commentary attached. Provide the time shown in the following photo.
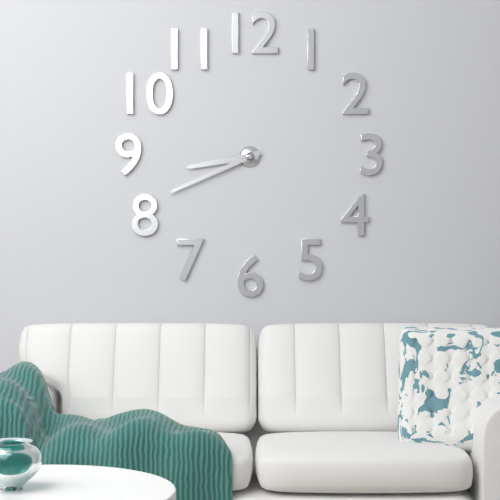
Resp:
8:41
